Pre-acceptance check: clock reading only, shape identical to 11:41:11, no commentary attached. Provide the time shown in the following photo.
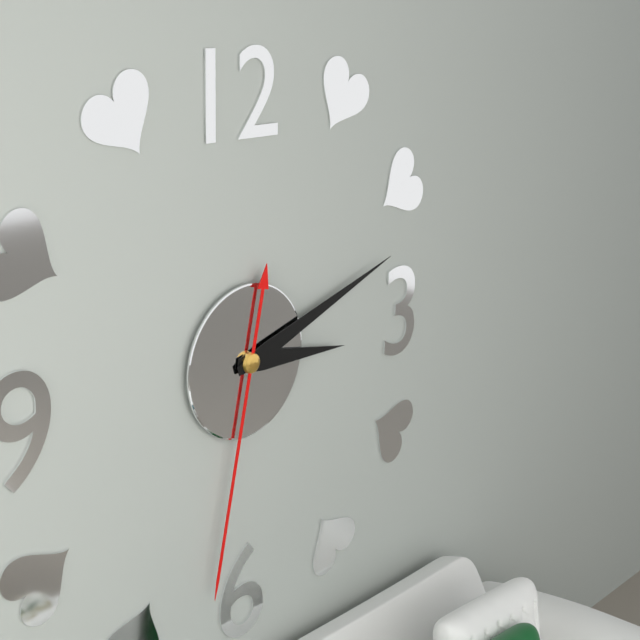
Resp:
3:12:32
